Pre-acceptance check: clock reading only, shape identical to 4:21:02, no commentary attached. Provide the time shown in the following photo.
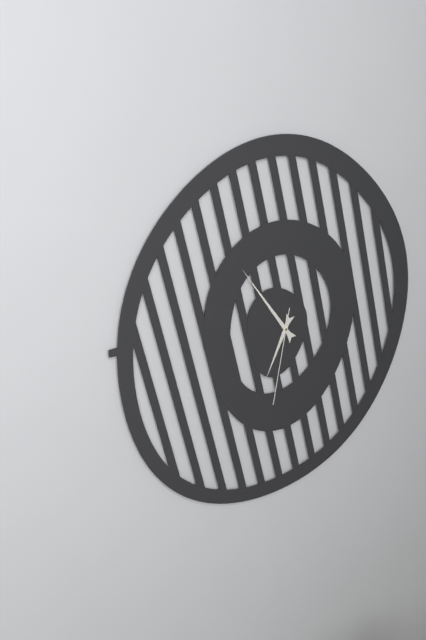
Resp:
6:54:32
